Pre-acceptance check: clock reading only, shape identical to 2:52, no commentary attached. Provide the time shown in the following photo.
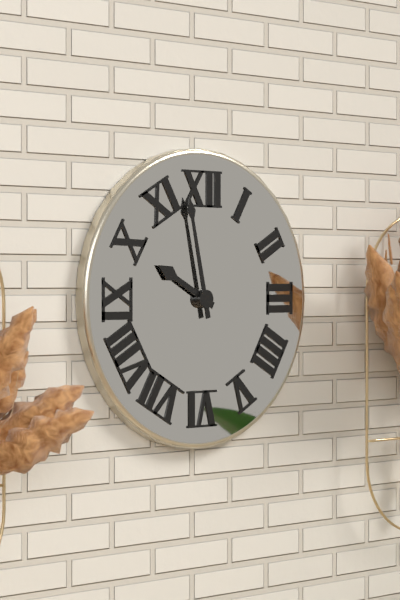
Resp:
9:58
